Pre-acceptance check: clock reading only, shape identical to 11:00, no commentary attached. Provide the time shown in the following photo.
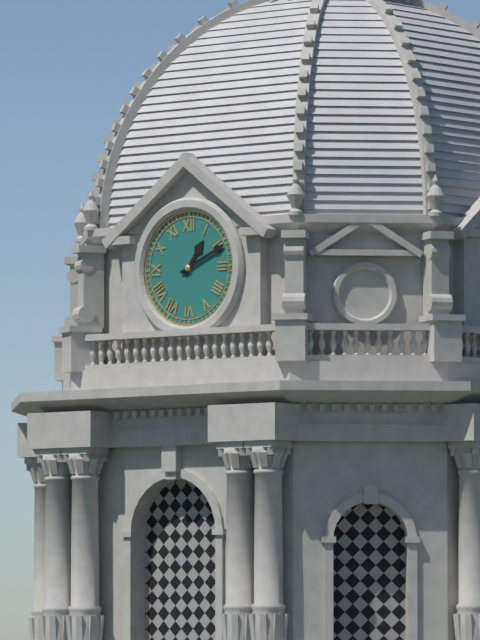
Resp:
1:11
